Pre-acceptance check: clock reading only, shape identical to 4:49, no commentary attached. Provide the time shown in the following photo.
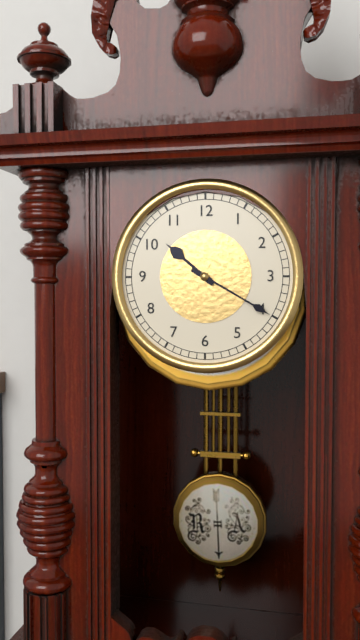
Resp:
10:20
